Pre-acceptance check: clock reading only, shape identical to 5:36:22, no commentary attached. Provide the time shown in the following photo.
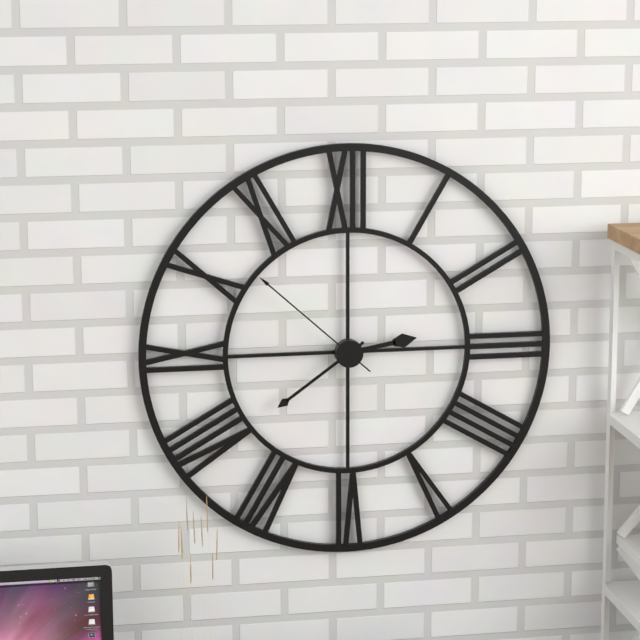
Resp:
2:39:52
